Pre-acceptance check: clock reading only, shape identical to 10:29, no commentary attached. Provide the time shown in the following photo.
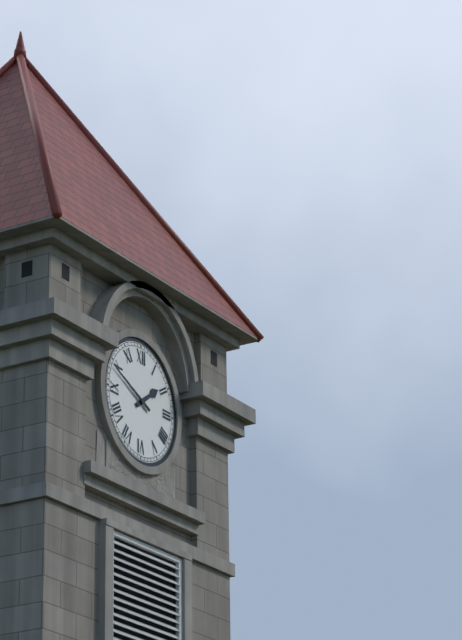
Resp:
1:49
